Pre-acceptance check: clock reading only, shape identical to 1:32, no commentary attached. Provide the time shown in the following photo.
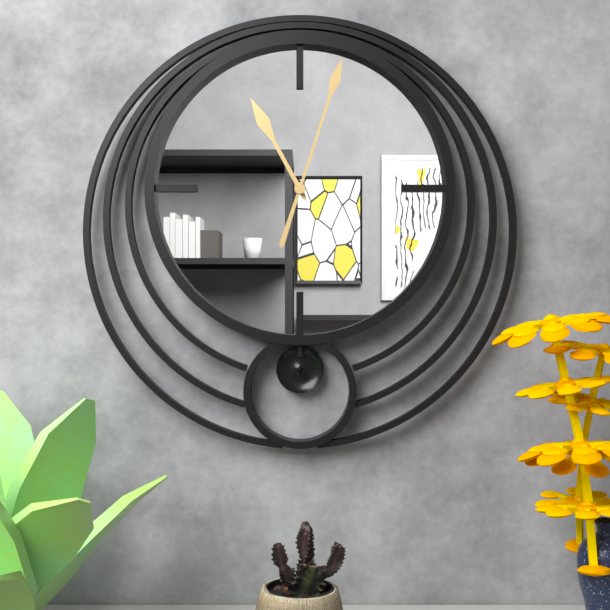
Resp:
11:03
